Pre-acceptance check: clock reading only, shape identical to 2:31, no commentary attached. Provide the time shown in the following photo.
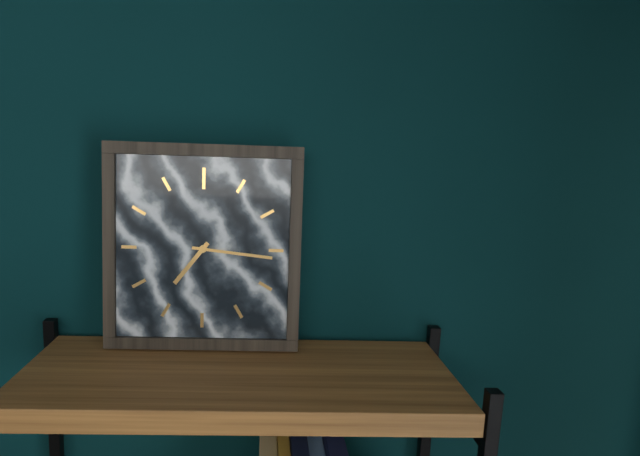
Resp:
7:16
